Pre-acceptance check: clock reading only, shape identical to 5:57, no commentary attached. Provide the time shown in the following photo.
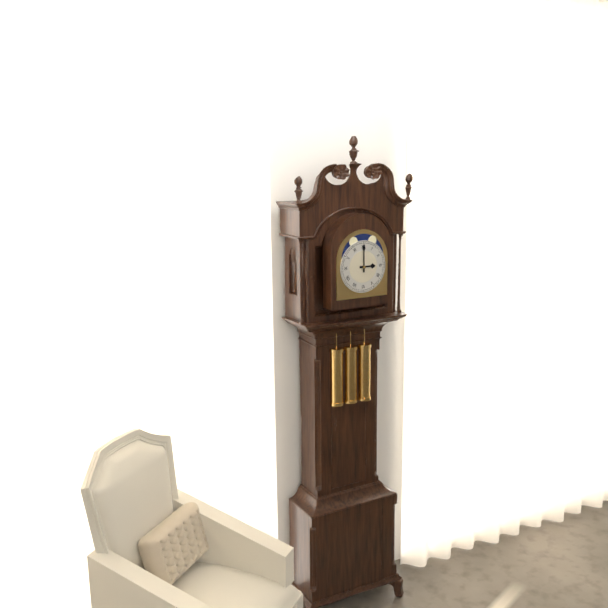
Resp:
3:00
